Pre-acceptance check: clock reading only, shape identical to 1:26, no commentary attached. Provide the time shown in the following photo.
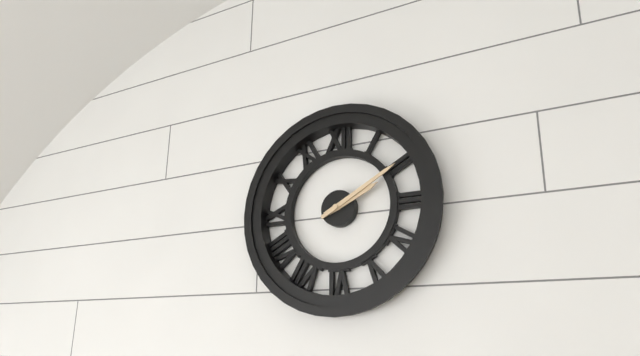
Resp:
2:10
